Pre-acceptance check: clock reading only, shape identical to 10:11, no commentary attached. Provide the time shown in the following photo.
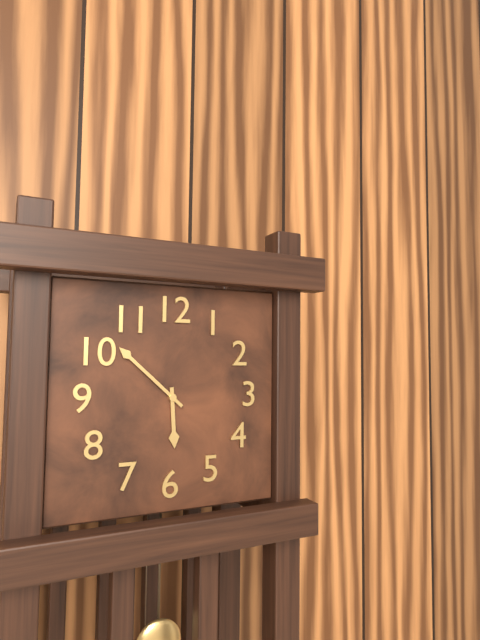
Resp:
5:52
